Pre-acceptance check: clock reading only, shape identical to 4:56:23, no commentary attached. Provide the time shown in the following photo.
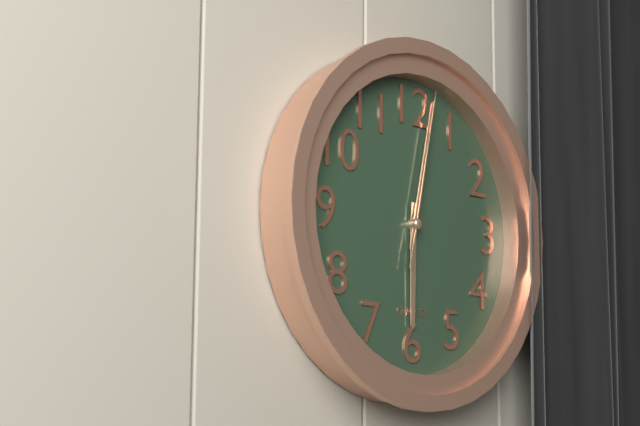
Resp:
6:02:02
